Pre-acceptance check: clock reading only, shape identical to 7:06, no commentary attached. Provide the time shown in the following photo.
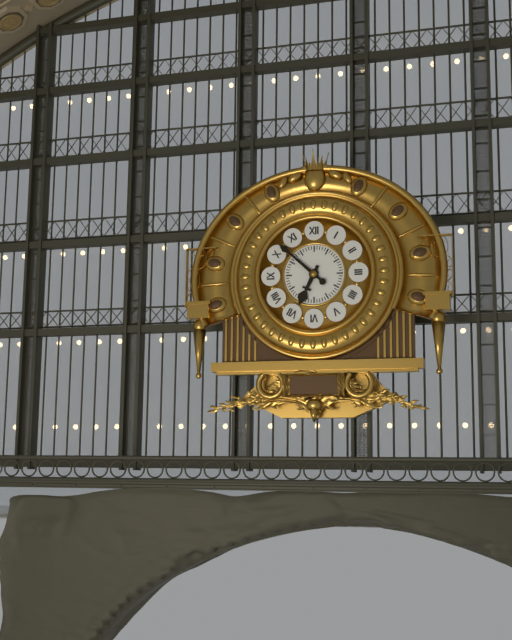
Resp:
6:52
